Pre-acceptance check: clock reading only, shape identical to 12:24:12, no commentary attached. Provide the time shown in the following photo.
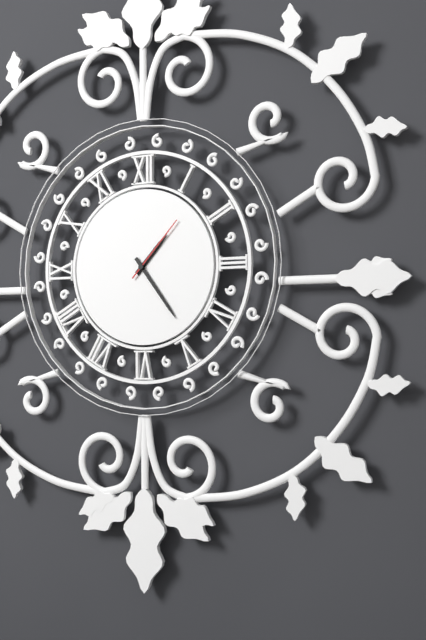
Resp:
1:24:07
